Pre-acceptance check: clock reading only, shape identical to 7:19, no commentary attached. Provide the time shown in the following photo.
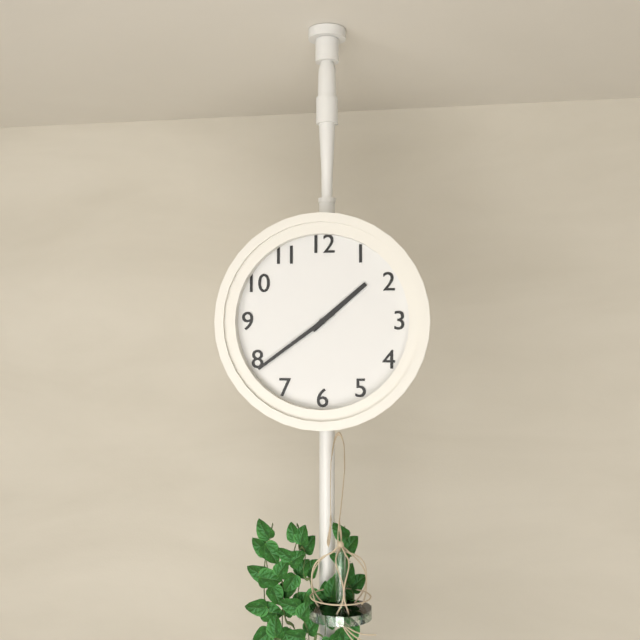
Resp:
1:39
